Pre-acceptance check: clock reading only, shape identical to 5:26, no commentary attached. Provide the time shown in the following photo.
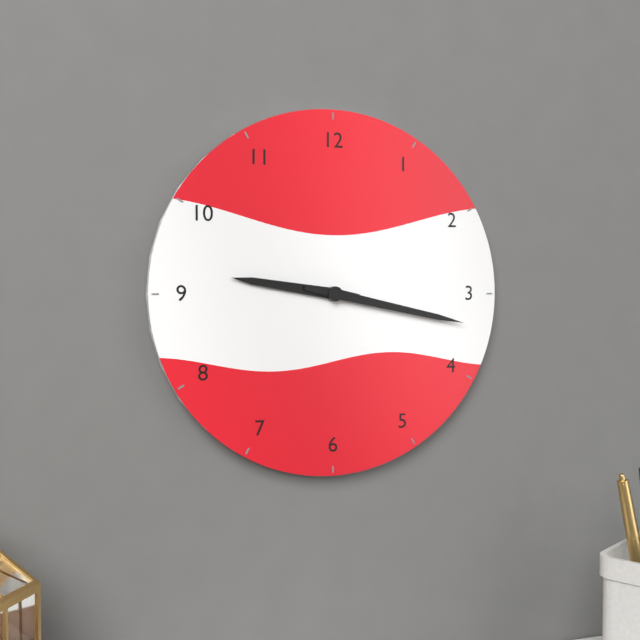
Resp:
9:17
